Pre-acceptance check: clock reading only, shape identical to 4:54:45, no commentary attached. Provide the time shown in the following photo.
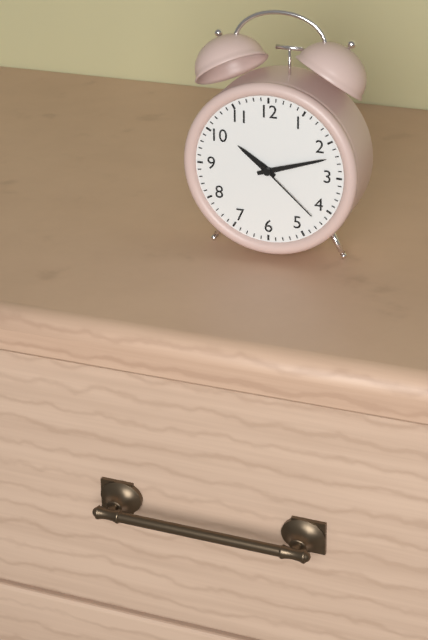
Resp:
10:12:22
